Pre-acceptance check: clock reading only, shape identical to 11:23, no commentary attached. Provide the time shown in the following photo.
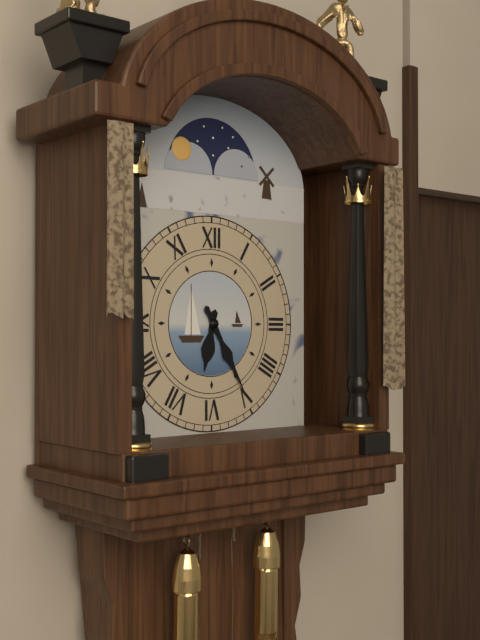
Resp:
6:25
